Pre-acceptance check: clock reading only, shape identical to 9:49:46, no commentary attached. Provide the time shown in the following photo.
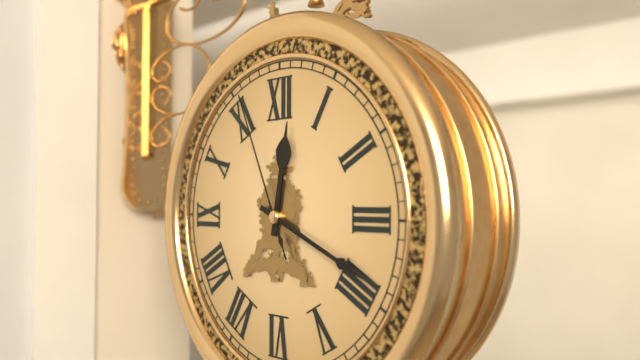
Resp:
12:19:56
